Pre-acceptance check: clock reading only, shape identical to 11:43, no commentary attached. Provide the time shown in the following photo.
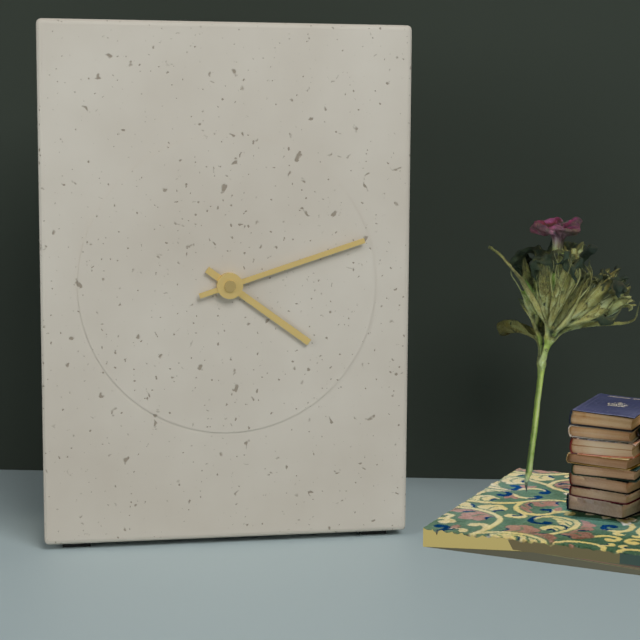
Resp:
4:12
